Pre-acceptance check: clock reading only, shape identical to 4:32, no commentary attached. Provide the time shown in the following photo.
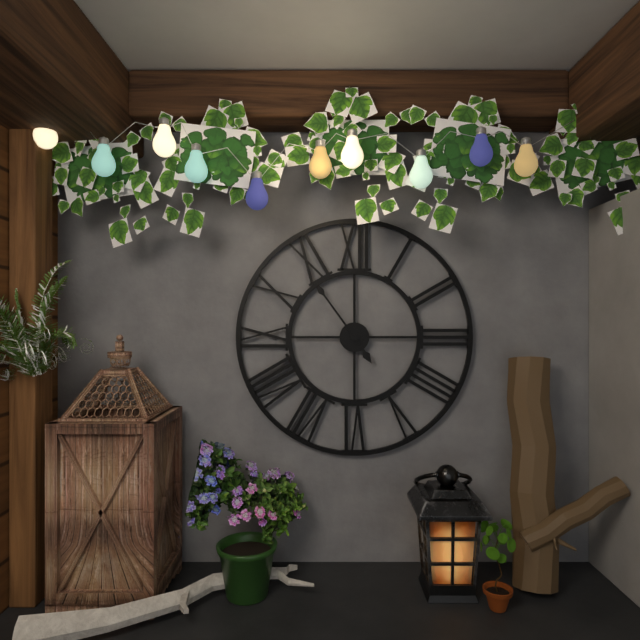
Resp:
4:54
